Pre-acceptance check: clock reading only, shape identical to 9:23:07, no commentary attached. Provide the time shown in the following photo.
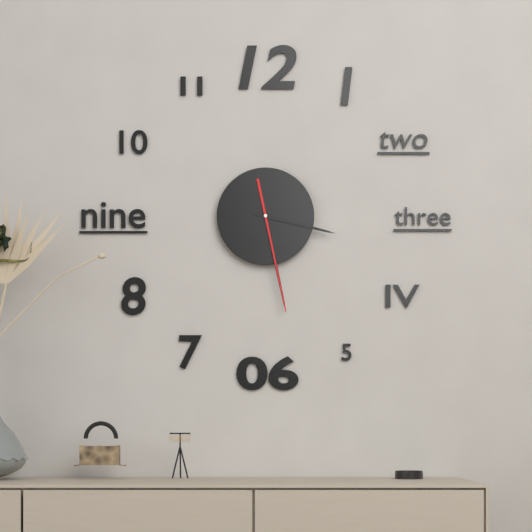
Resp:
3:28:28
